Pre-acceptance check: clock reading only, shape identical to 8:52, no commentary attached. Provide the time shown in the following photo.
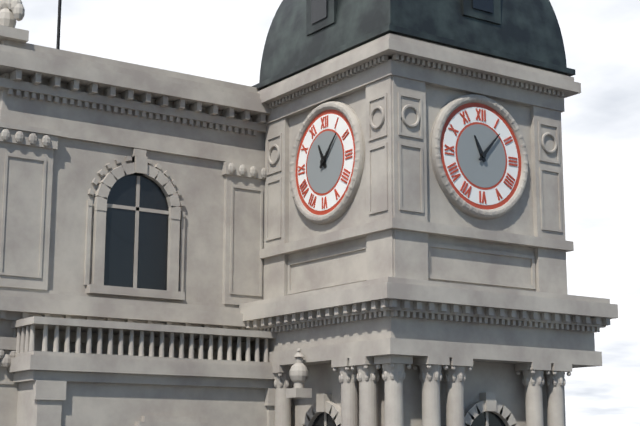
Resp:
11:07
